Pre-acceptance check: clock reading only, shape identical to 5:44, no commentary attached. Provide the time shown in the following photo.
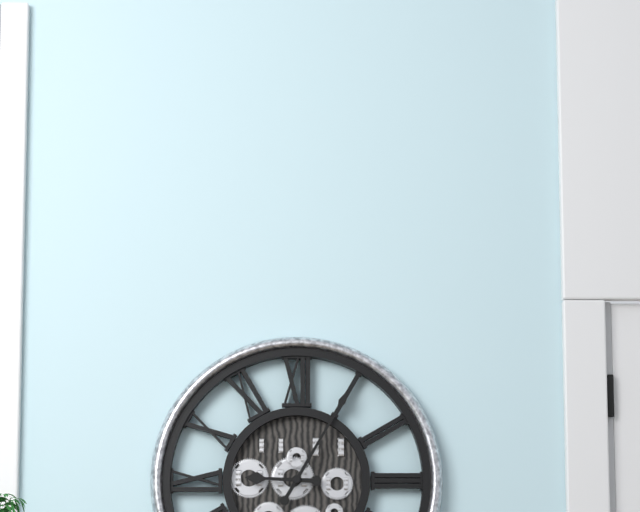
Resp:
9:05
